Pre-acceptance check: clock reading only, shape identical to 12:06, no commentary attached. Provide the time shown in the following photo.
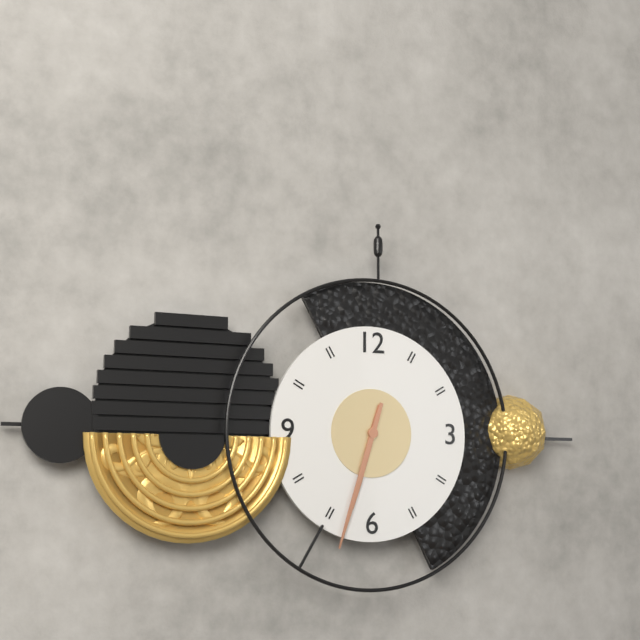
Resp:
6:33
